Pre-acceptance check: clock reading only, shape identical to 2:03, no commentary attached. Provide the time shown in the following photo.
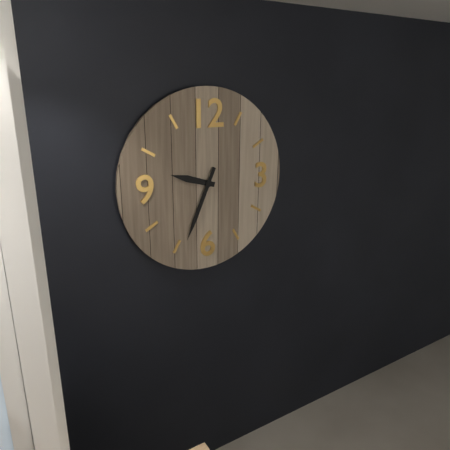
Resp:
9:34
